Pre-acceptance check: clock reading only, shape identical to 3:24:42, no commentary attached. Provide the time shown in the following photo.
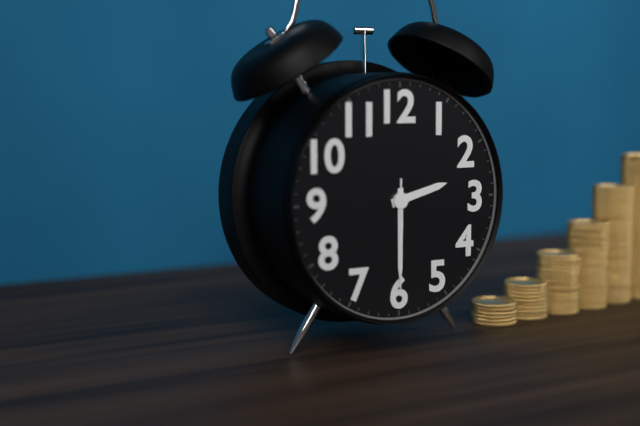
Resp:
2:30:30
